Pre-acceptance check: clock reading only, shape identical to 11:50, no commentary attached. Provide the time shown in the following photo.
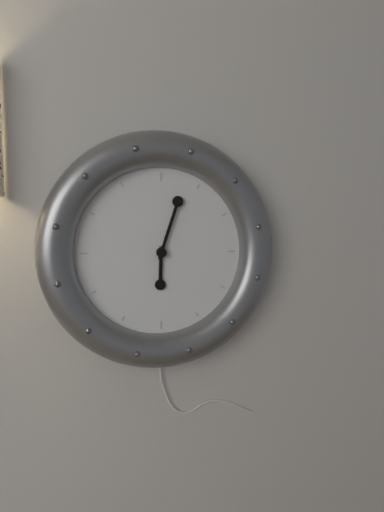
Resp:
6:03
